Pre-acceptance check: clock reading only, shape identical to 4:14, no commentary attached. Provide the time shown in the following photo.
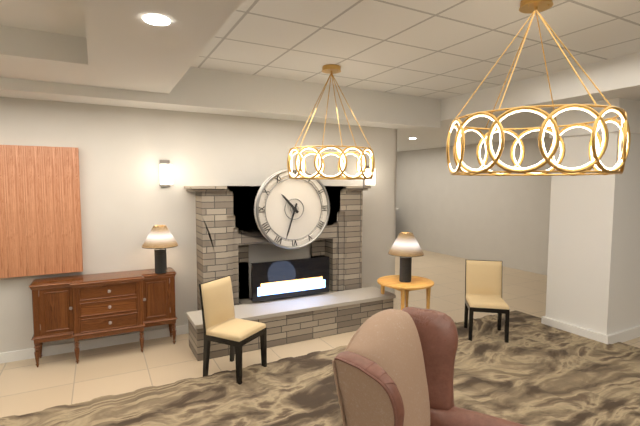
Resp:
10:33
